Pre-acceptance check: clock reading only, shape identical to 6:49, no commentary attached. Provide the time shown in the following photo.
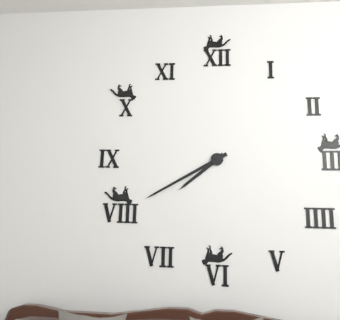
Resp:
7:40
